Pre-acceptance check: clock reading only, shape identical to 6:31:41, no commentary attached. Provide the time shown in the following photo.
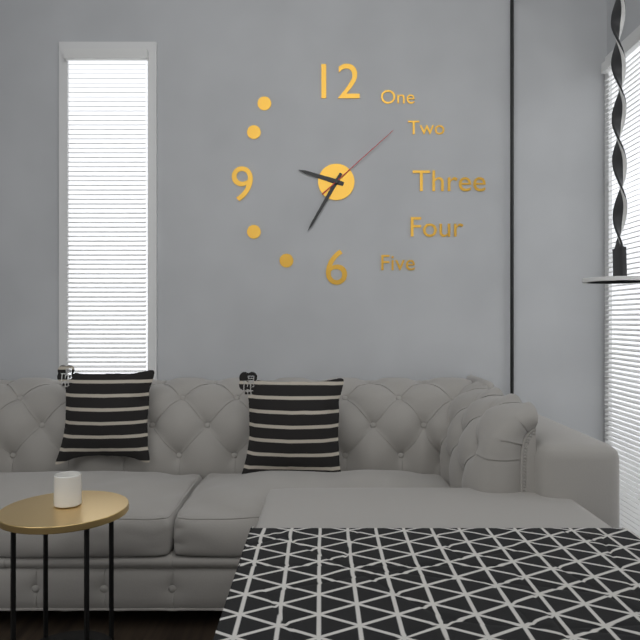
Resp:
9:35:08
